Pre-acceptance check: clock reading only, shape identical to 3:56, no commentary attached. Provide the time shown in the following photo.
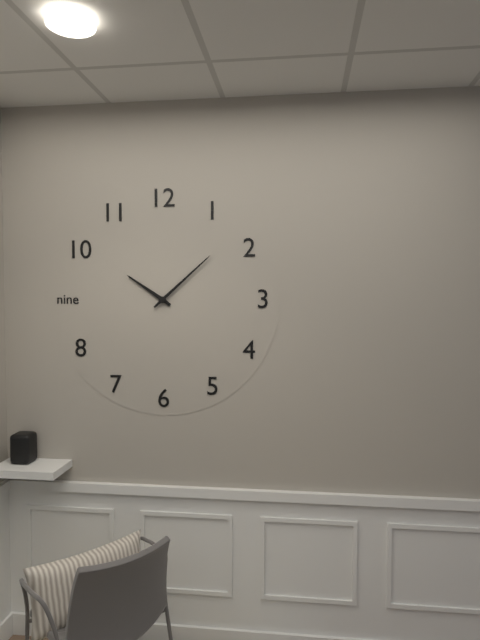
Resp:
10:08
